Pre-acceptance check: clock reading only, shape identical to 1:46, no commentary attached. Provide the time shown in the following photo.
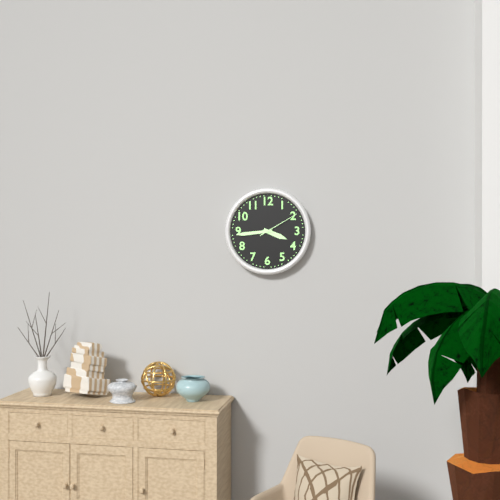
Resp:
3:44
